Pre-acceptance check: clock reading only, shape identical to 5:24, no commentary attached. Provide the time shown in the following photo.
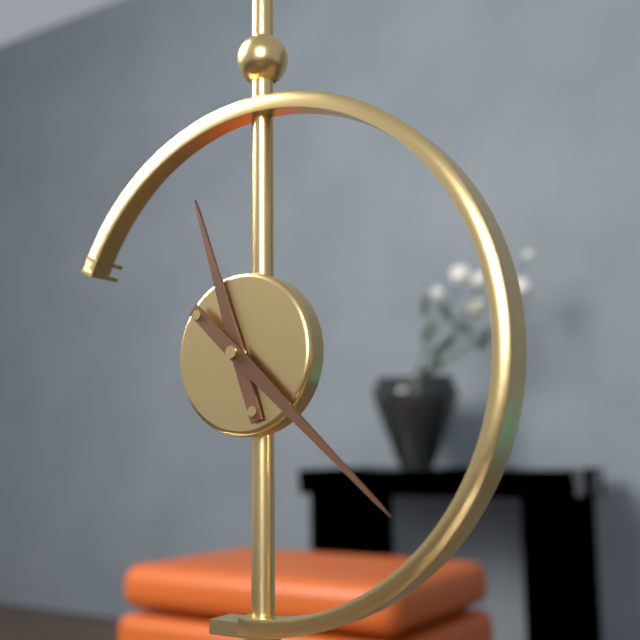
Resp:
11:22
